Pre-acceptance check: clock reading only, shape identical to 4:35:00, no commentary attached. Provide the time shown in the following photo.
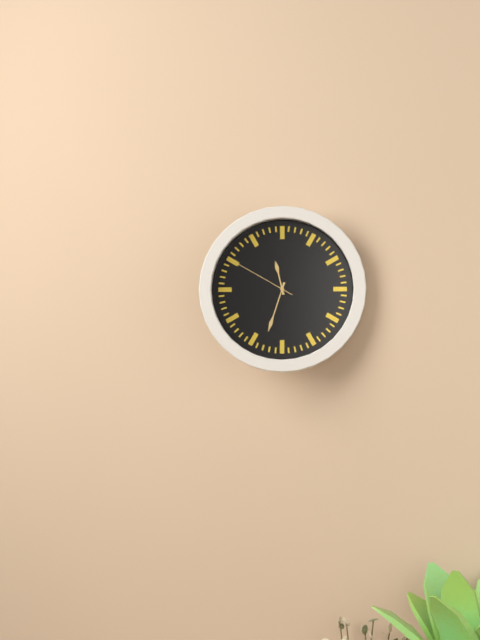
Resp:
11:33:50
